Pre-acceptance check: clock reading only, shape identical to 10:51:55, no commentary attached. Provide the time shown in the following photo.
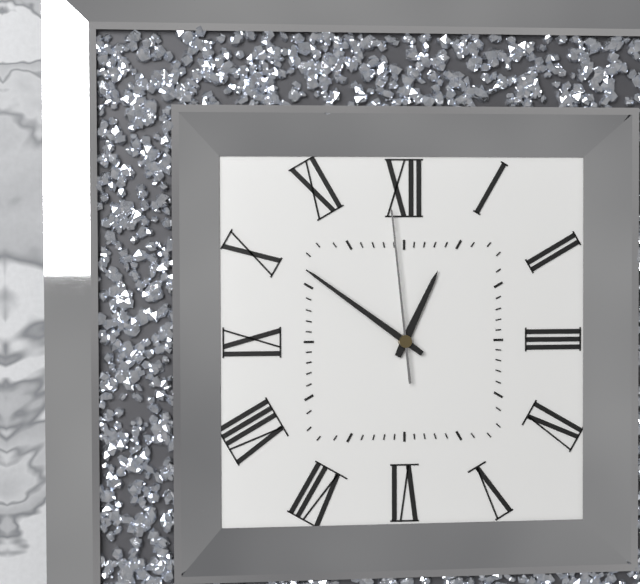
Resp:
12:51:59
